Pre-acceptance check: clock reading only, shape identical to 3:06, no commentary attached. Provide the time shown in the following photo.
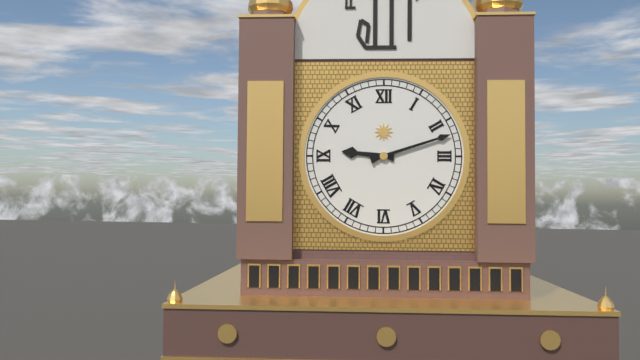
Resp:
9:12
